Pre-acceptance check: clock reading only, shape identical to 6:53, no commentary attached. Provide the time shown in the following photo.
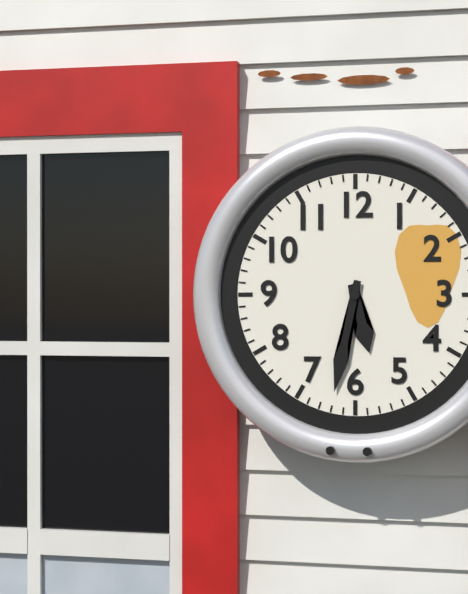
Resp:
5:32
